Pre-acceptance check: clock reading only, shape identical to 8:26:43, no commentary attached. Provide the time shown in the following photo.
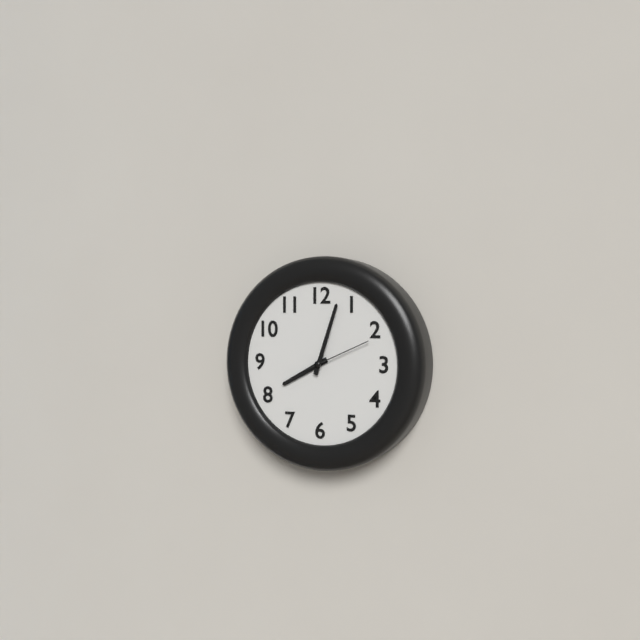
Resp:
8:03:11
